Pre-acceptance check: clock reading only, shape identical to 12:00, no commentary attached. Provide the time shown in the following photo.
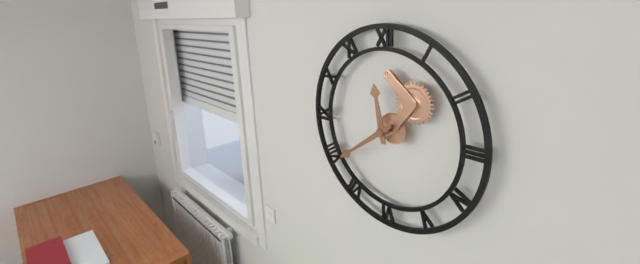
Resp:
11:39
